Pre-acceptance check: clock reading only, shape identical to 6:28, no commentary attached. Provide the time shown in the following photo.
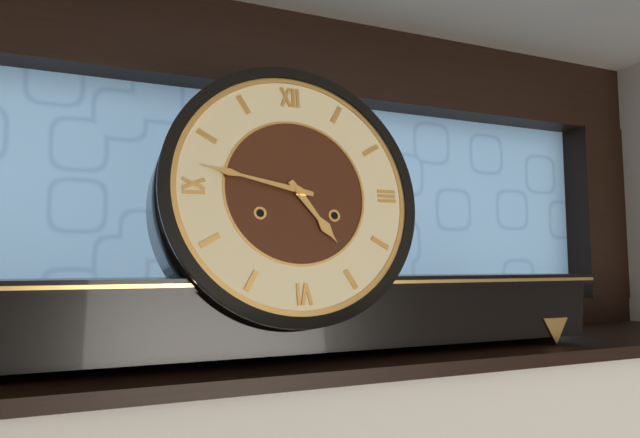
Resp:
4:47
